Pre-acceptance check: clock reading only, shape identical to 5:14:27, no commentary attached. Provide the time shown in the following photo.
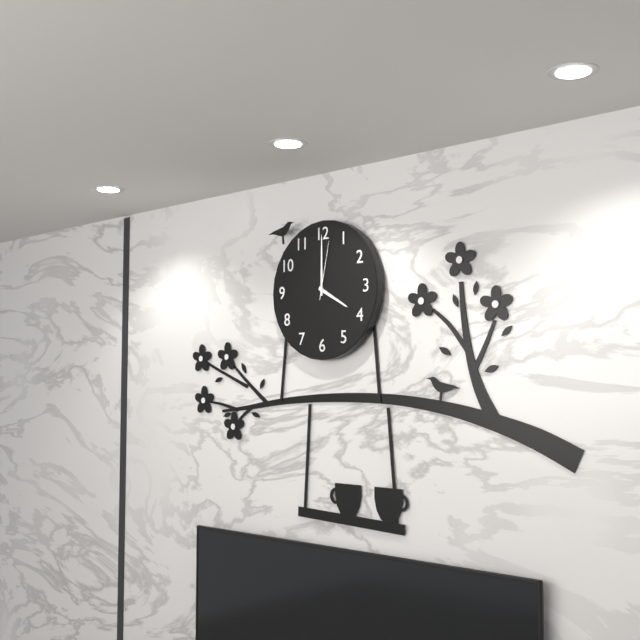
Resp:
4:00:02
